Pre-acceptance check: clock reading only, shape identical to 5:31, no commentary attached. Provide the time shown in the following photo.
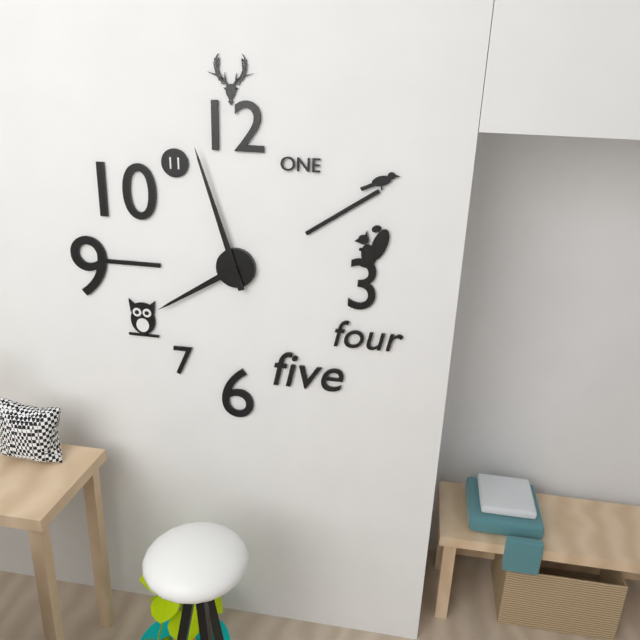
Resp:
7:57
